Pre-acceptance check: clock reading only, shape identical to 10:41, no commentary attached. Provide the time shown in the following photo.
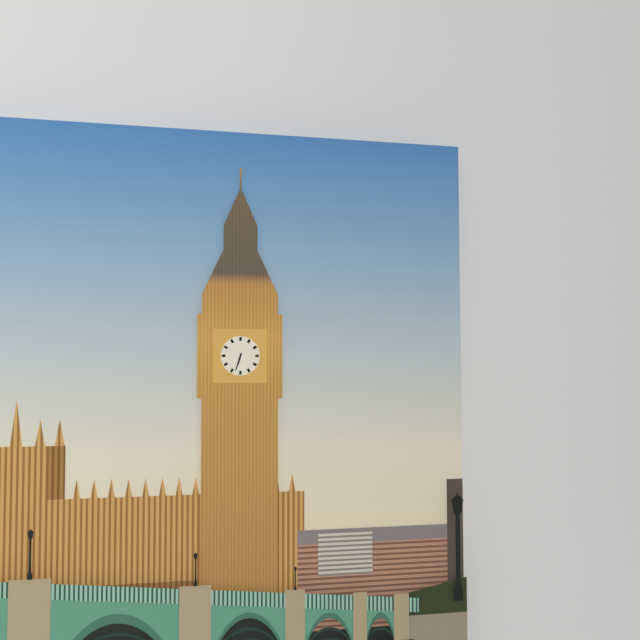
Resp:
6:33
